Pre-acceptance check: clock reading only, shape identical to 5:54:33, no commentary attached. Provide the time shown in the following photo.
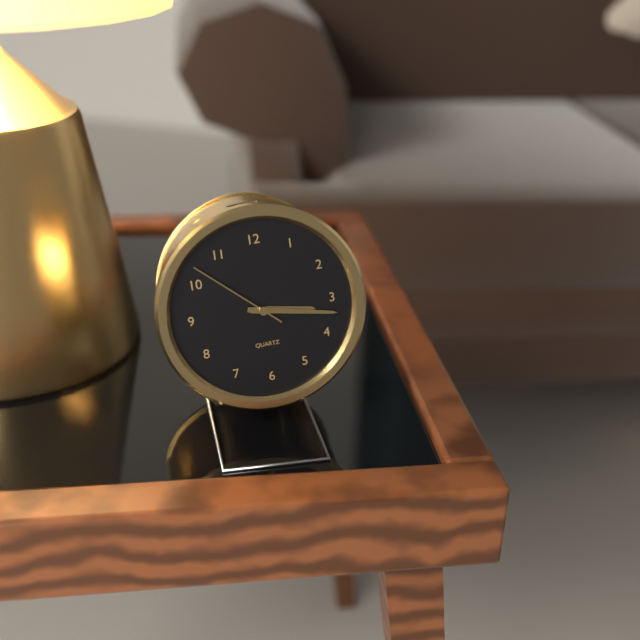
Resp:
3:17:52
